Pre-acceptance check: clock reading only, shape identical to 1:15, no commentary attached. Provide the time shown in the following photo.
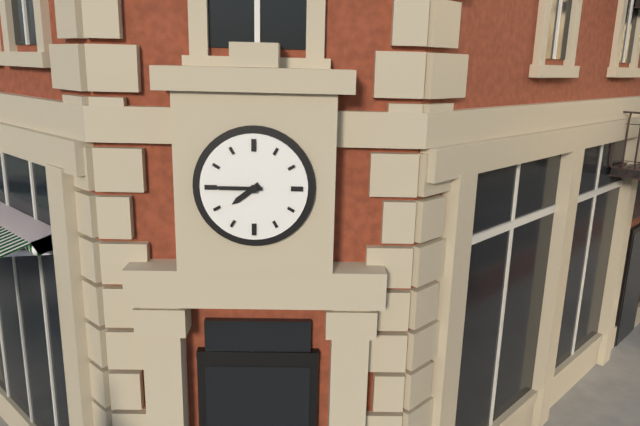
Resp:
7:45
